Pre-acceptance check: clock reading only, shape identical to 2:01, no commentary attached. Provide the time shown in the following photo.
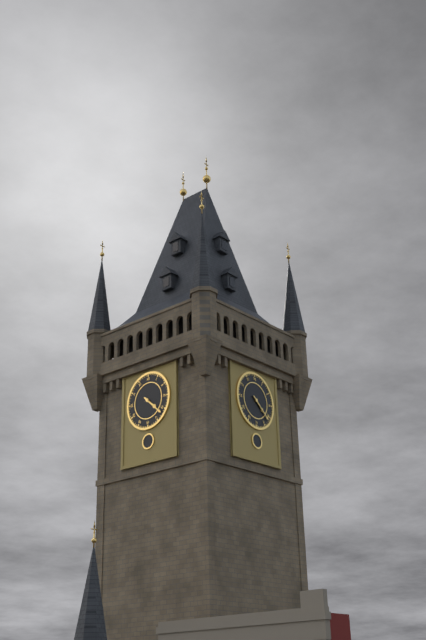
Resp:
4:22
